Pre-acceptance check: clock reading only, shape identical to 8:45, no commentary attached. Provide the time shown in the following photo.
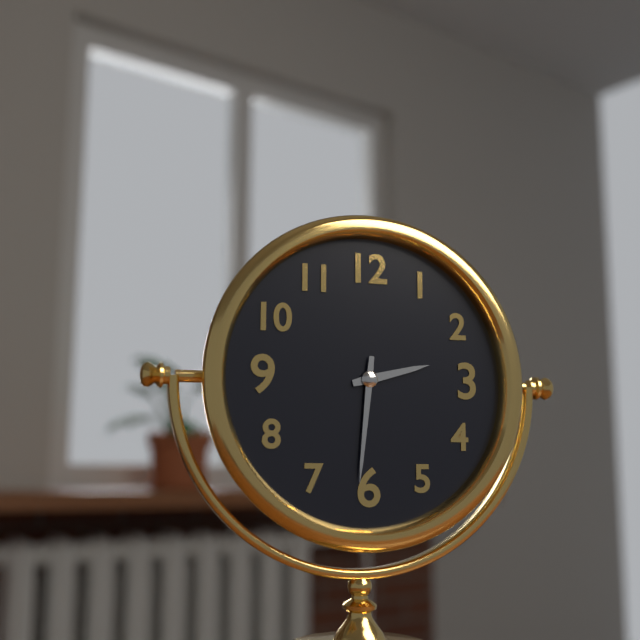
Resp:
2:31
